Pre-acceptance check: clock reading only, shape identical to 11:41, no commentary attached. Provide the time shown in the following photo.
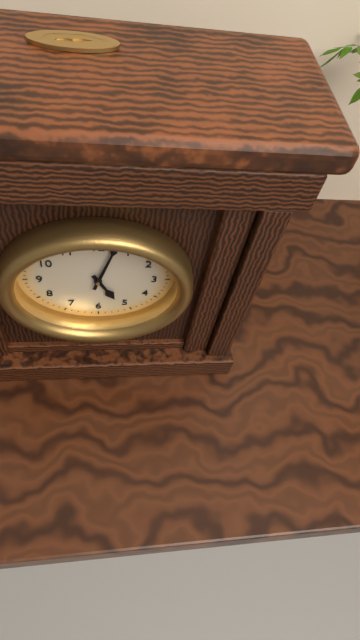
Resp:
5:03
